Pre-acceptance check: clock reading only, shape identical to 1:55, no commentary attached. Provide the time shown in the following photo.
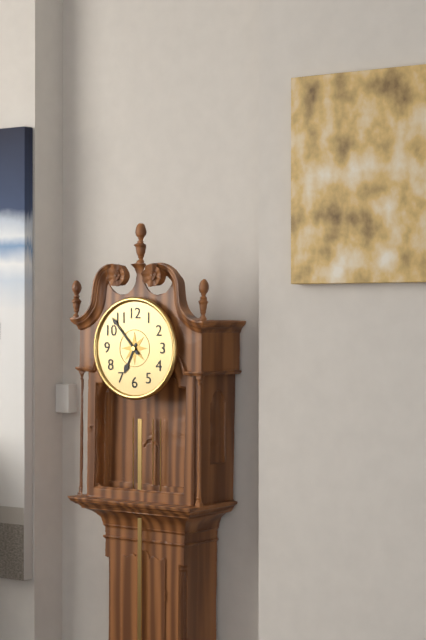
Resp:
6:53
